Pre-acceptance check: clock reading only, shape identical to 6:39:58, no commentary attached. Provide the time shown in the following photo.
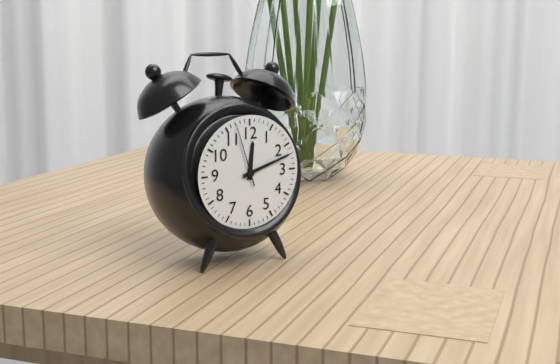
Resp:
12:12:57
